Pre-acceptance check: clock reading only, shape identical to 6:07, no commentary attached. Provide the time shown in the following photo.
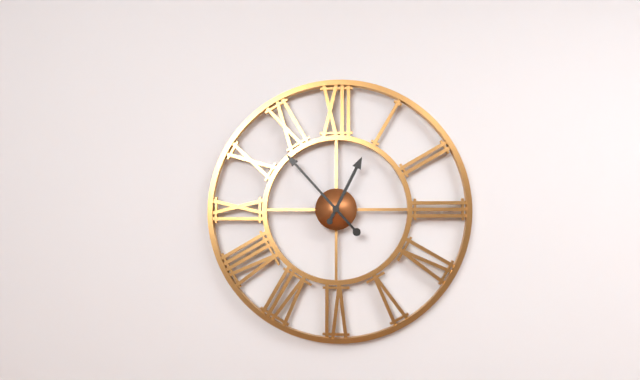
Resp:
12:53
